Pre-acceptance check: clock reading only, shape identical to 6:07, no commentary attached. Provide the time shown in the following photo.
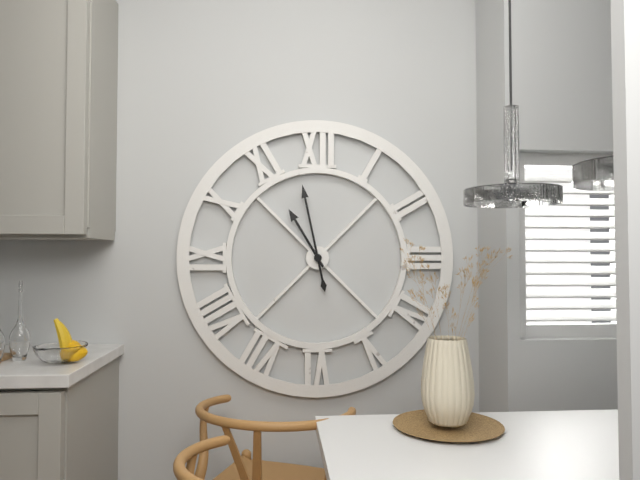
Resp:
10:58
